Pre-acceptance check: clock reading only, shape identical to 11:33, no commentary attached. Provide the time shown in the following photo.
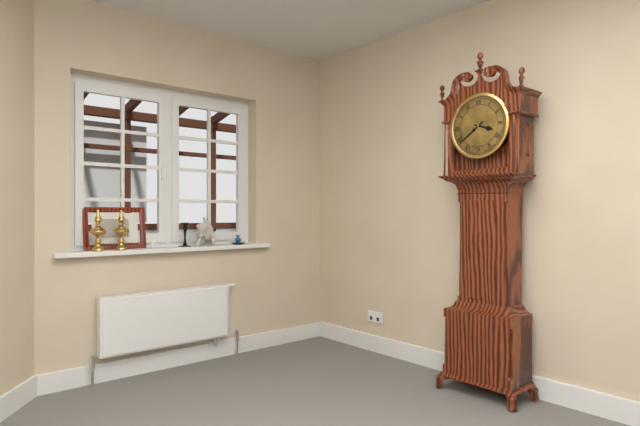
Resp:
3:39
